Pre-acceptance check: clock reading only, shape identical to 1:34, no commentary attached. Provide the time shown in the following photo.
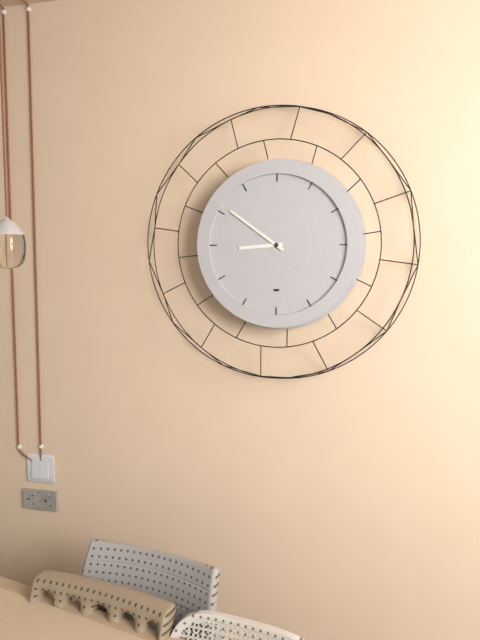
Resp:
8:51
